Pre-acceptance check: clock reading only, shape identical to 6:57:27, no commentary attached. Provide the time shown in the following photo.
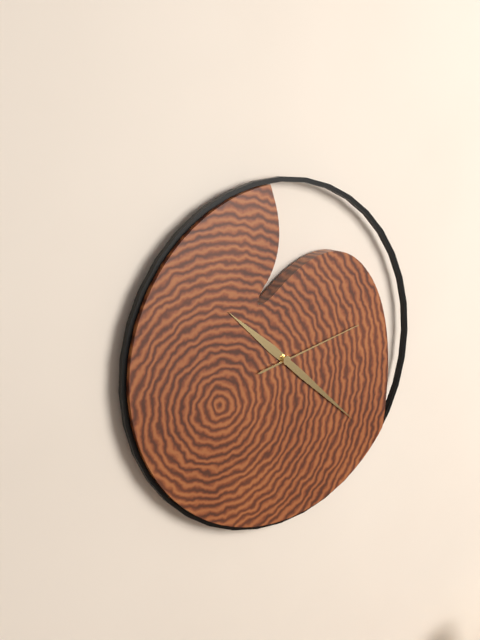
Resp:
10:22:13
